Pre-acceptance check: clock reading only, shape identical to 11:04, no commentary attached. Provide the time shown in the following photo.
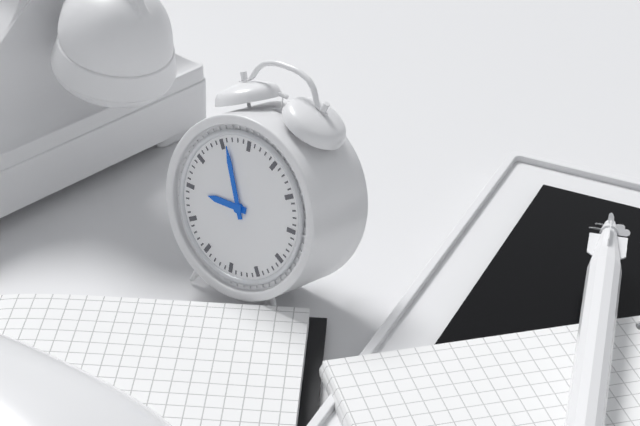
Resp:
8:56
